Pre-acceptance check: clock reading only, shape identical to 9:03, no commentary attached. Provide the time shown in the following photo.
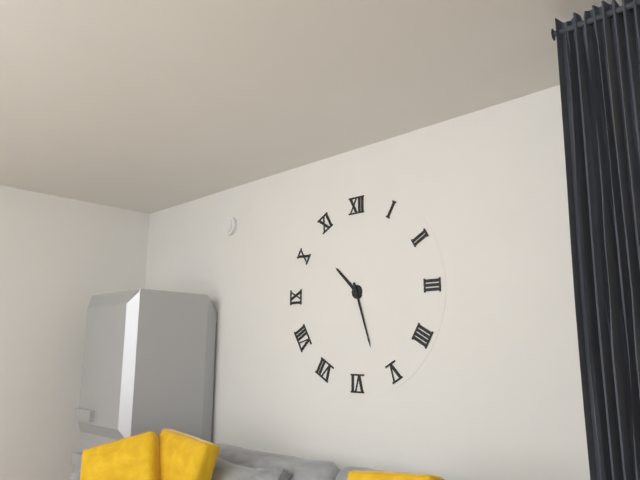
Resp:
10:27
